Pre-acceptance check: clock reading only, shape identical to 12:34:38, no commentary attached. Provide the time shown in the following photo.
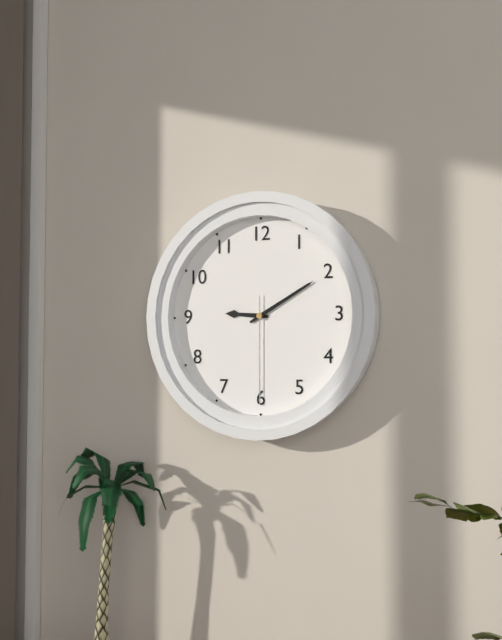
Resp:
9:10:30
